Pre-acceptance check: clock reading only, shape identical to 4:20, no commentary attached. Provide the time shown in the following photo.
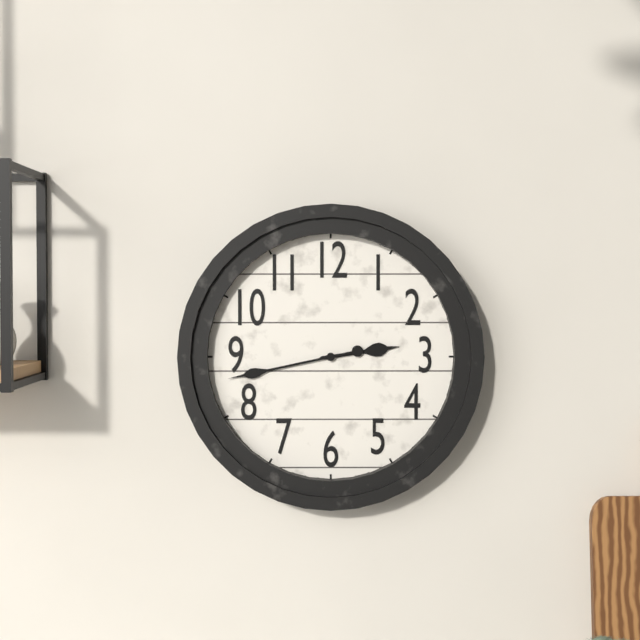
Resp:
2:43
